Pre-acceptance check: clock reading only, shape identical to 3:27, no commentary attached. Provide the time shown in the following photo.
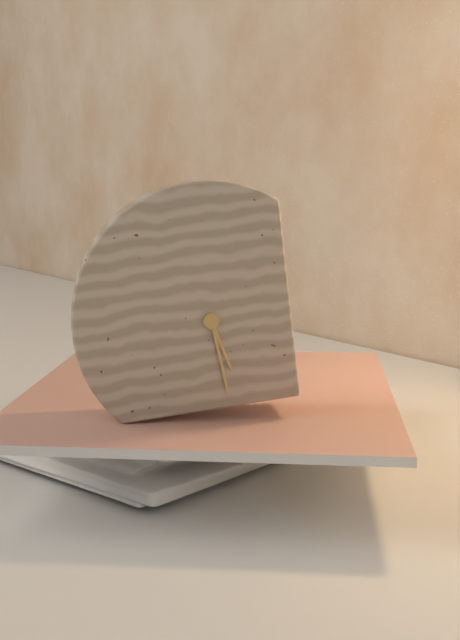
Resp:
5:29
